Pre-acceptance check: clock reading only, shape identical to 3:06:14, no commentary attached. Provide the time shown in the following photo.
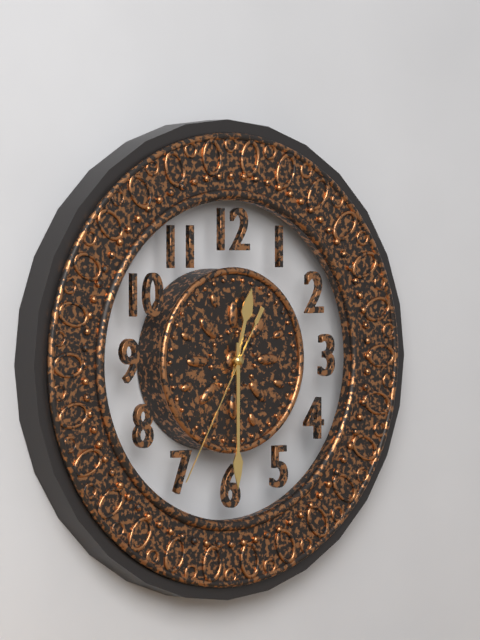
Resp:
12:30:35
